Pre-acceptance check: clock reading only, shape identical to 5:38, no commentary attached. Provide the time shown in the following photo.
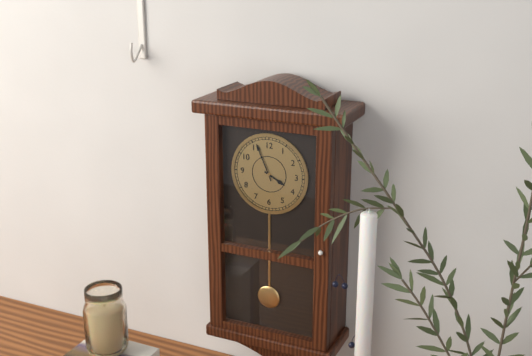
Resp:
3:56
